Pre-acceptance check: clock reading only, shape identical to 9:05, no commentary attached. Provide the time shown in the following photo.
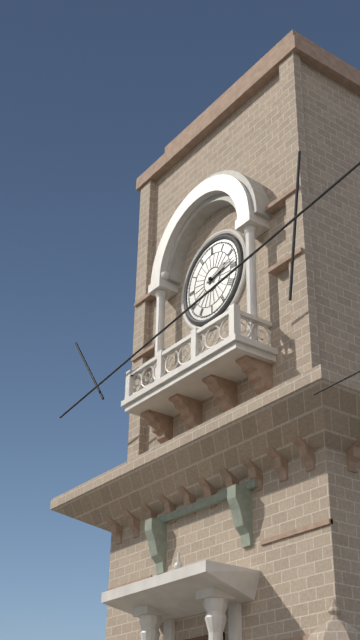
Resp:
2:13
